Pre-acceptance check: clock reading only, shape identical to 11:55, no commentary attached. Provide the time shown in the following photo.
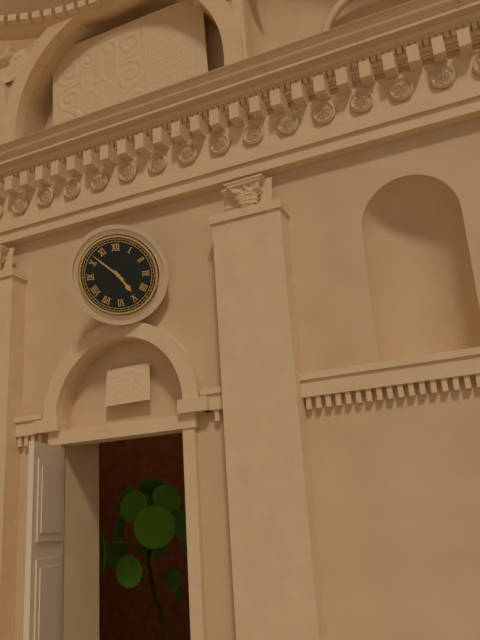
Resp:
4:52
